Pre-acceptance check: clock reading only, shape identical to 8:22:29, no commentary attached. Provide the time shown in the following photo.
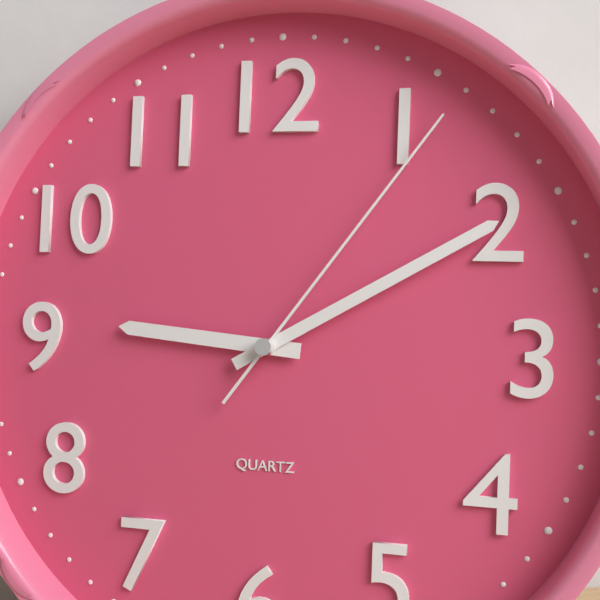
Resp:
9:10:06
